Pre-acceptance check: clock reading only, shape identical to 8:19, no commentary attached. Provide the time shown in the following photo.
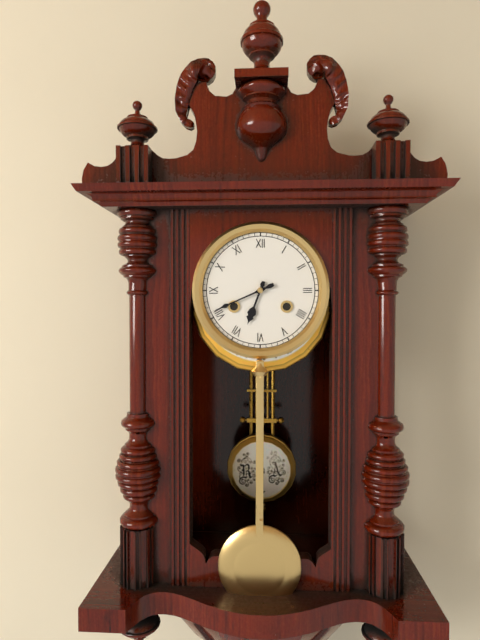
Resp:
6:41
